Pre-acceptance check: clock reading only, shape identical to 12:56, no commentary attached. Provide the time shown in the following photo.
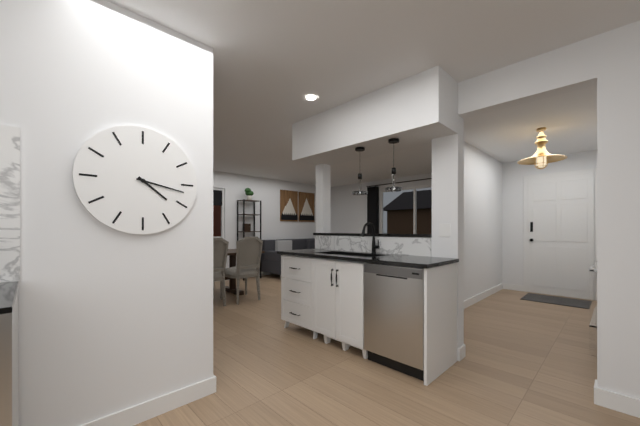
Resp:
4:17
